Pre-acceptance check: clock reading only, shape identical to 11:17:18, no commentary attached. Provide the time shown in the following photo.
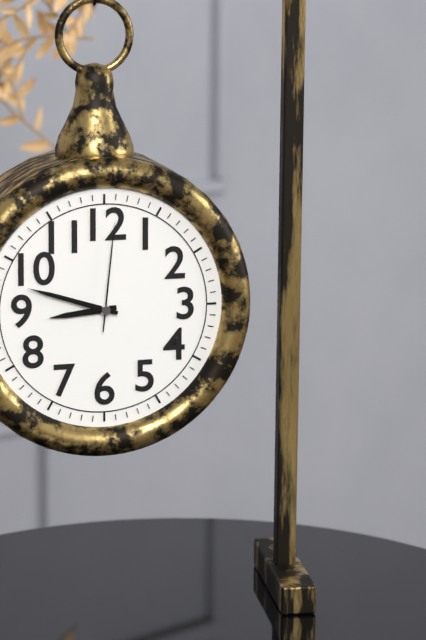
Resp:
8:48:01
